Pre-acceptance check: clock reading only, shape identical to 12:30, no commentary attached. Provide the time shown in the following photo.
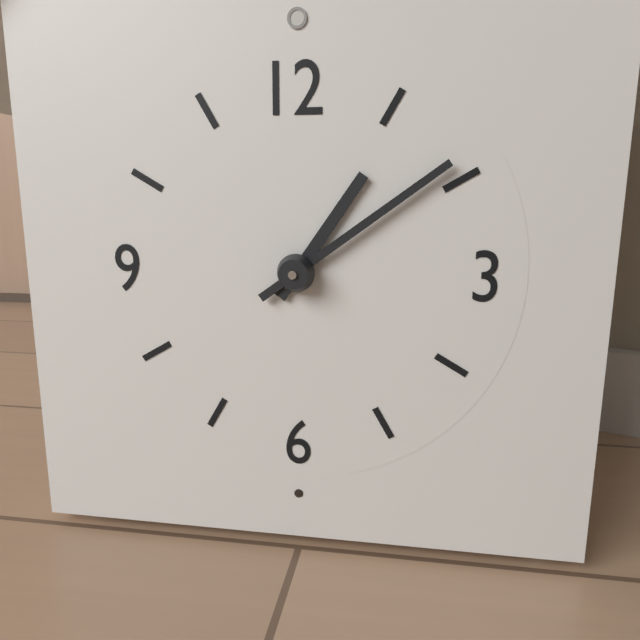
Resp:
1:09
